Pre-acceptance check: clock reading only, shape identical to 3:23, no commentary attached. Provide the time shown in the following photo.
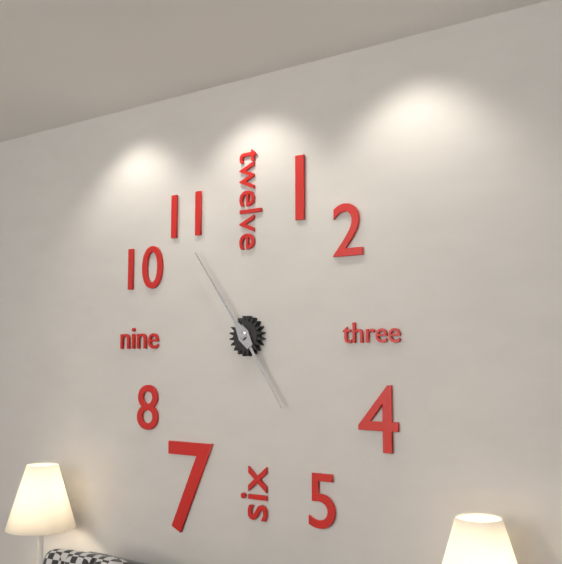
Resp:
4:54
